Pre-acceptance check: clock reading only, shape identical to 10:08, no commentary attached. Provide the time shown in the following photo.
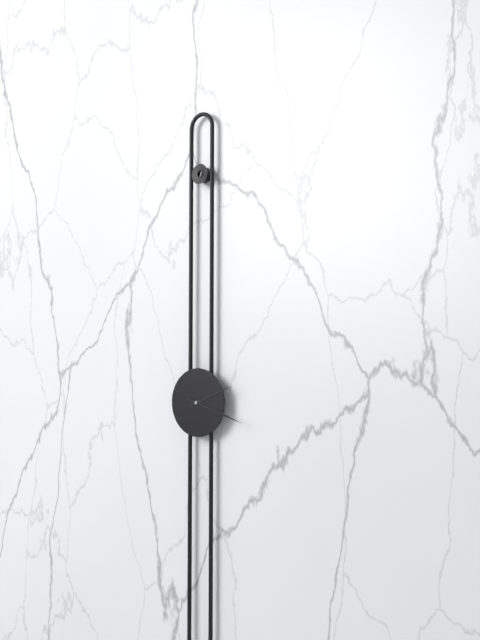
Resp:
2:18
